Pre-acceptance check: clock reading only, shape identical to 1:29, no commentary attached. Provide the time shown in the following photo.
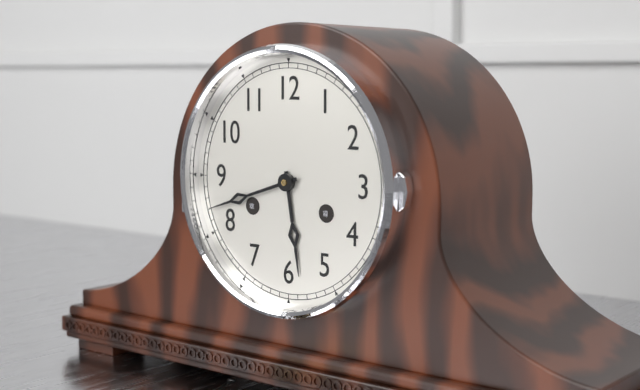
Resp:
5:42
